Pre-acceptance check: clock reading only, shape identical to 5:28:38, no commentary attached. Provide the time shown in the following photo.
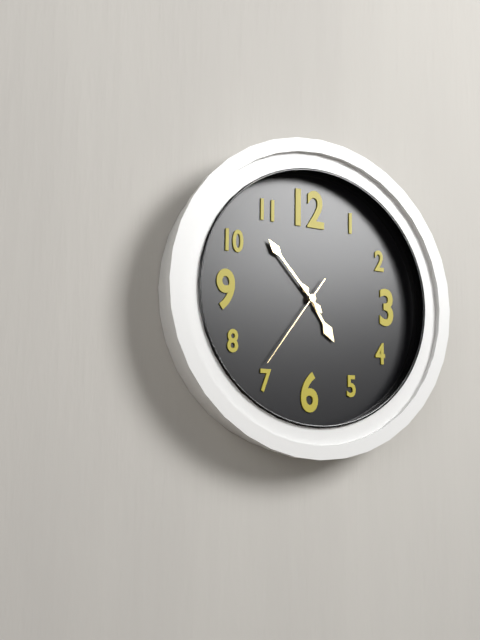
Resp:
4:53:36
